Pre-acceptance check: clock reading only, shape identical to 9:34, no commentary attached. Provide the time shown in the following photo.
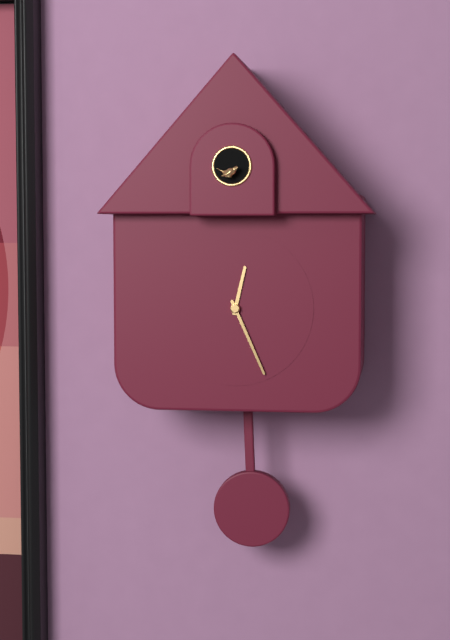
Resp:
12:26
